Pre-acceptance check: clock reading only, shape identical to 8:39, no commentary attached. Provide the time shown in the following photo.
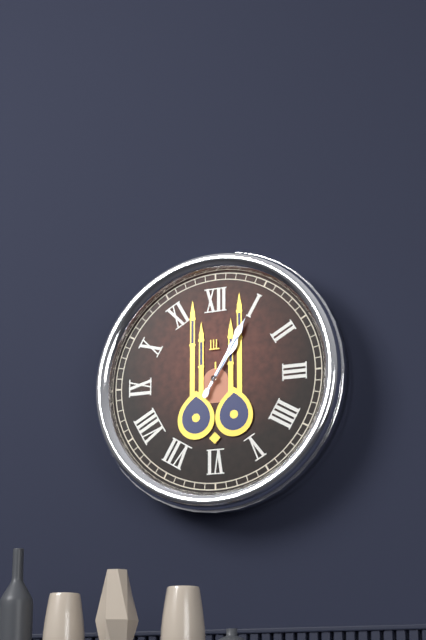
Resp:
1:05
